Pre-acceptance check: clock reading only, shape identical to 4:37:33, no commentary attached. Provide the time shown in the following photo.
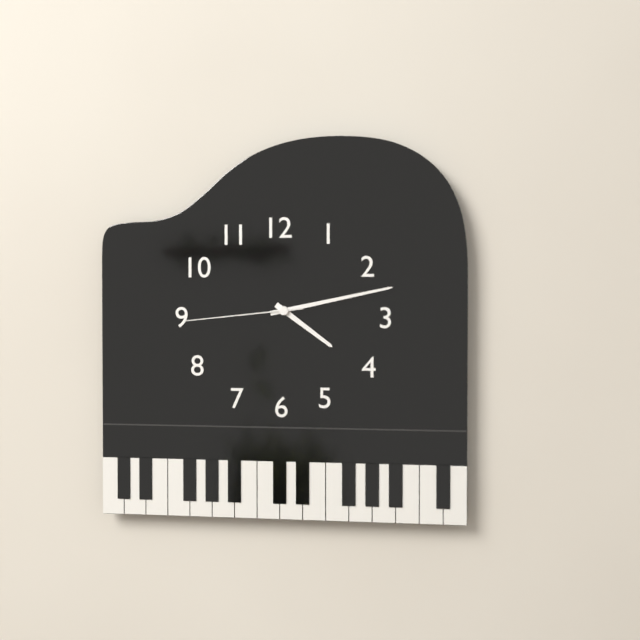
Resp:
4:13:44
